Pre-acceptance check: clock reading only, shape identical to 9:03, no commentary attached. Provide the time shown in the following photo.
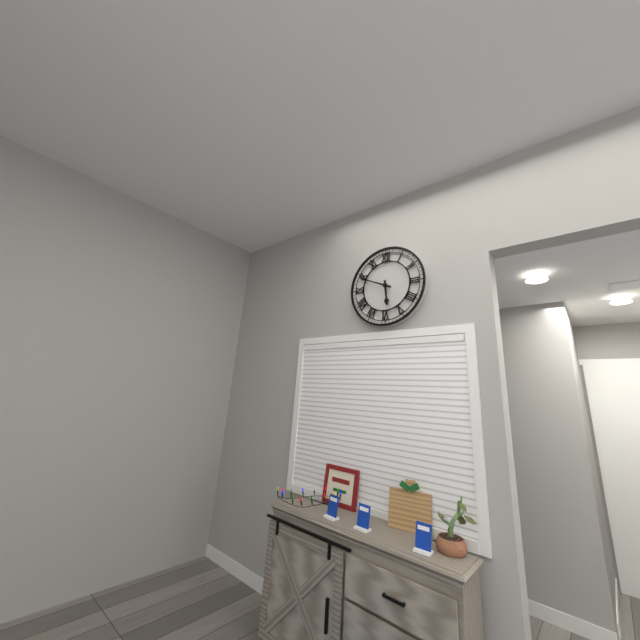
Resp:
5:49
